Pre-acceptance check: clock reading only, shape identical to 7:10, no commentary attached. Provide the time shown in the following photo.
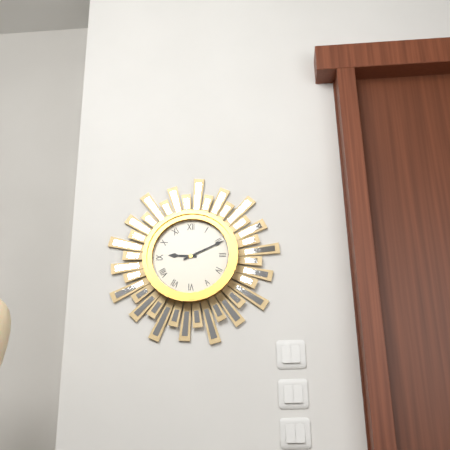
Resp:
9:11
